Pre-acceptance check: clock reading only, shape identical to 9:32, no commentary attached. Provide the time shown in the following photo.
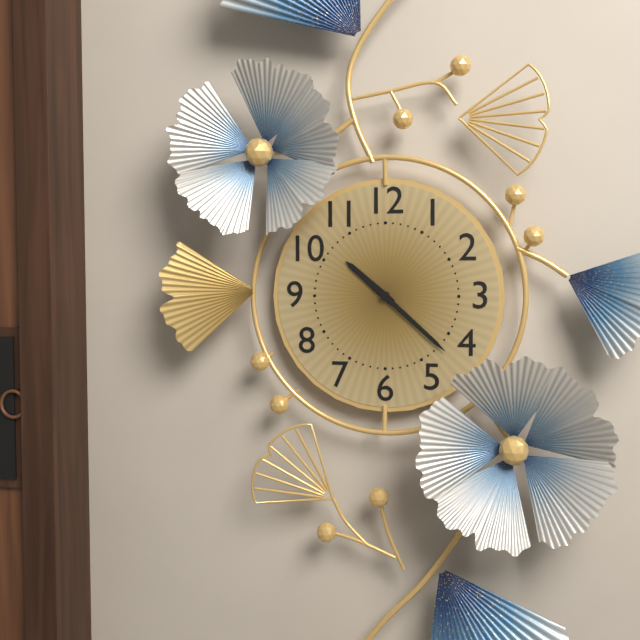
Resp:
10:22
